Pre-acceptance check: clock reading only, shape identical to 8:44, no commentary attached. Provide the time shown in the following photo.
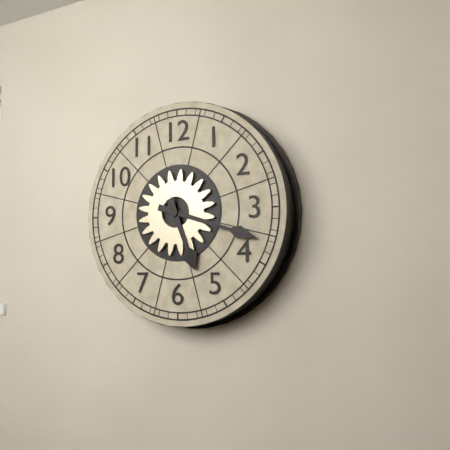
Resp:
5:18
